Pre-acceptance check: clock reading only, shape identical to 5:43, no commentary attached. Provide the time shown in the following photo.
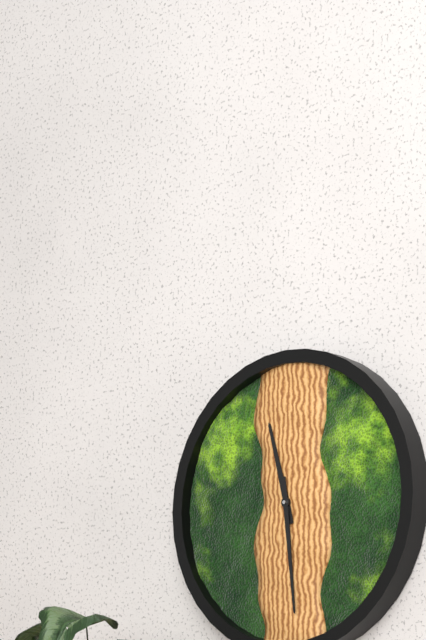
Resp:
11:29
